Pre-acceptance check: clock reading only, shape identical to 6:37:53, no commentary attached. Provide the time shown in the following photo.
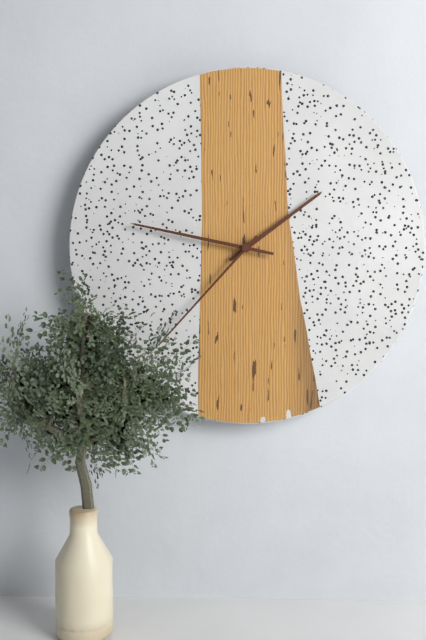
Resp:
1:47:37
